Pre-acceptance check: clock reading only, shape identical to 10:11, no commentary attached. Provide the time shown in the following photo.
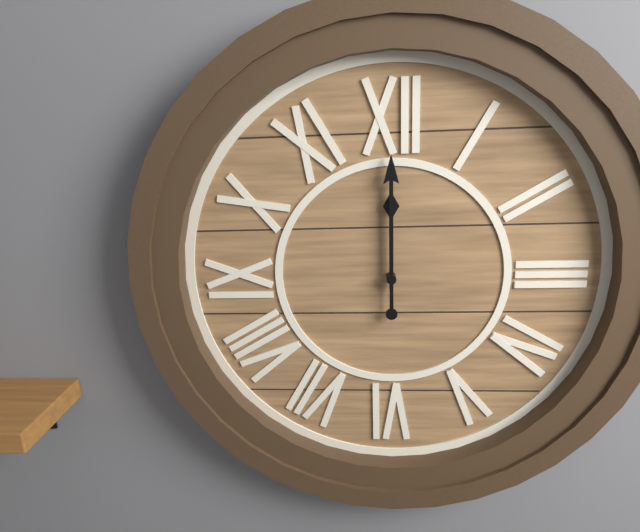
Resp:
12:00
